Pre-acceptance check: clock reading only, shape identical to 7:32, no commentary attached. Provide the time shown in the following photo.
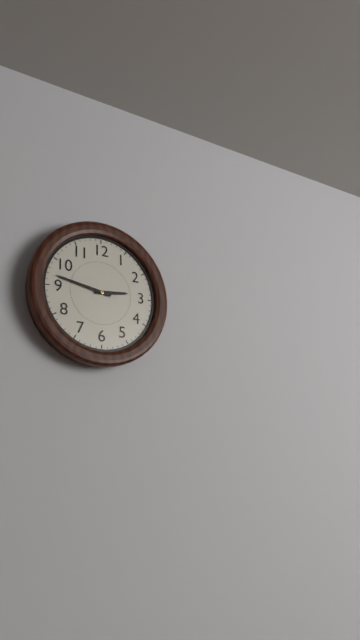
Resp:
2:47
